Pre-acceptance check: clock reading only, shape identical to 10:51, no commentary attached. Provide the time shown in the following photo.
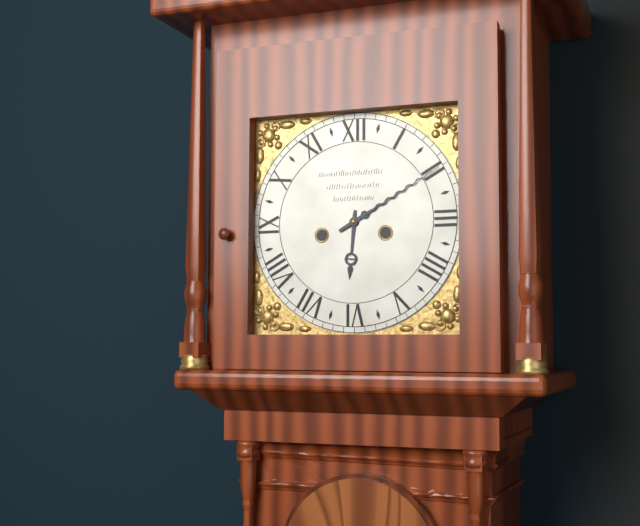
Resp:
6:10
